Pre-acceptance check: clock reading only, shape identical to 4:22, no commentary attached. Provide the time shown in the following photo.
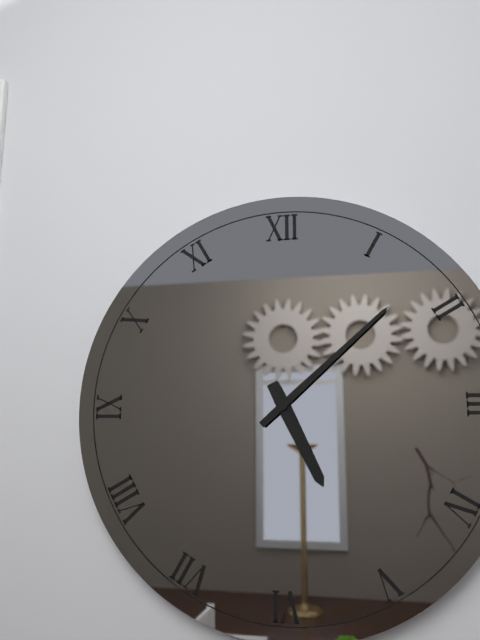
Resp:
5:08
